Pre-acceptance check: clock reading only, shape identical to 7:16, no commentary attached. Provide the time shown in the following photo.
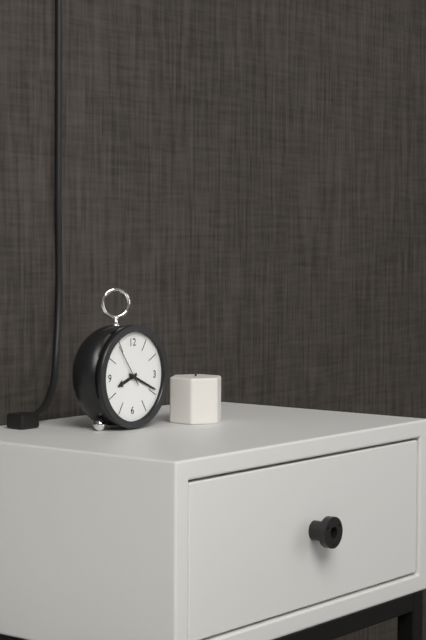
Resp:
8:19
